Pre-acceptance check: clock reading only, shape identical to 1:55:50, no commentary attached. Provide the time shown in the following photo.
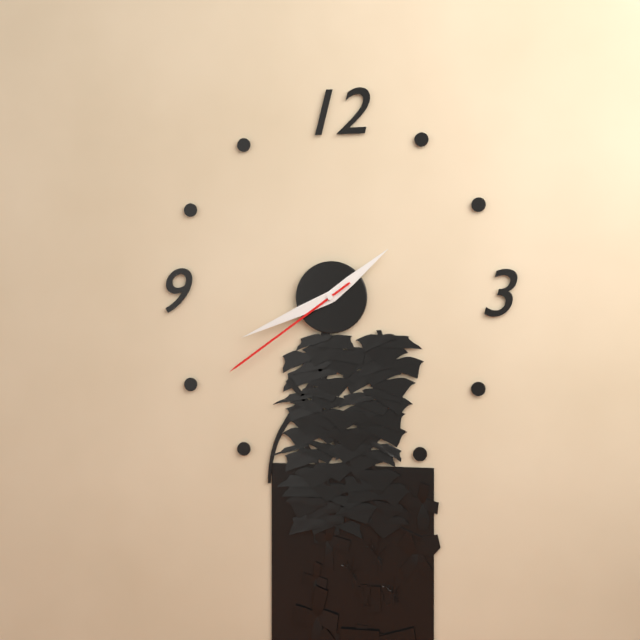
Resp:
1:41:39
